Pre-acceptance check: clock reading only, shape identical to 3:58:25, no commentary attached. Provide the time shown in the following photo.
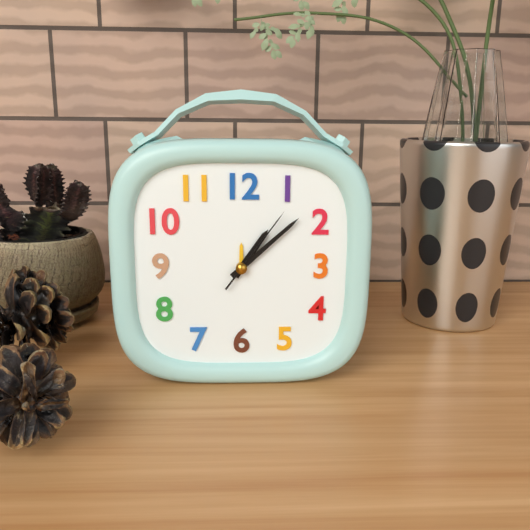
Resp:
1:08:06
